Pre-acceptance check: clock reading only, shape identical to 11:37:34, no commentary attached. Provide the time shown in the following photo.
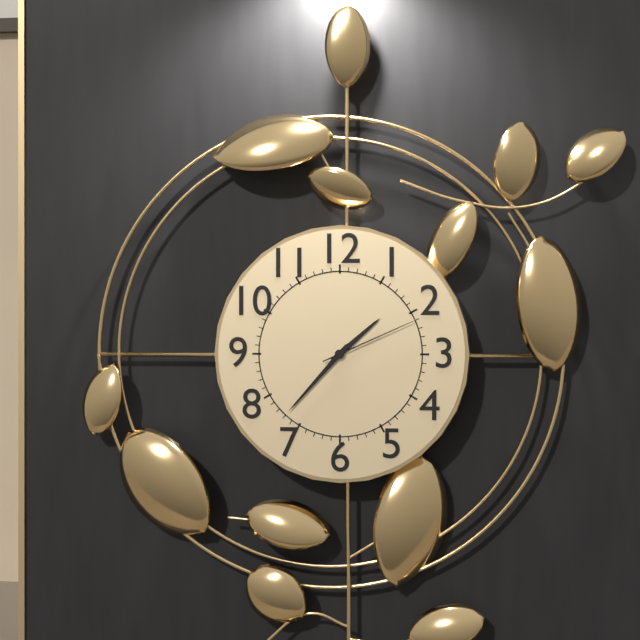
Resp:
1:37:11
